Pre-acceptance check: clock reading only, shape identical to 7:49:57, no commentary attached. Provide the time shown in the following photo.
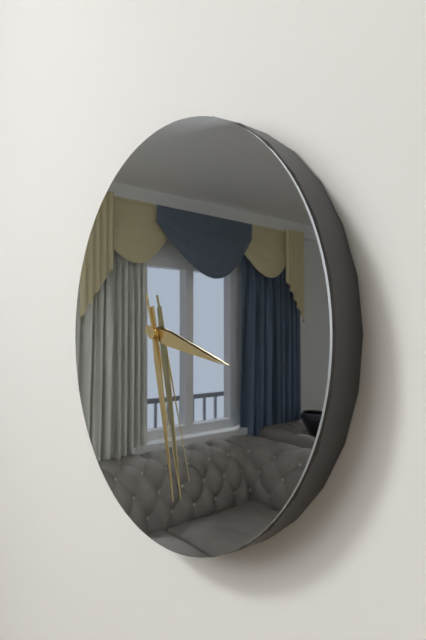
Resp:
3:28:27
